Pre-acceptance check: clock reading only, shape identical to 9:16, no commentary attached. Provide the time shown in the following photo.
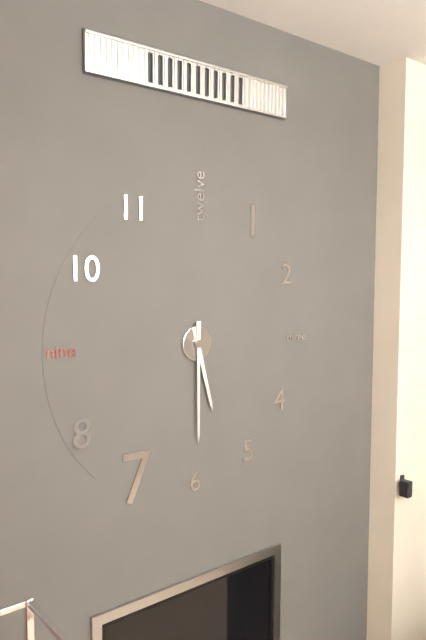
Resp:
5:30
